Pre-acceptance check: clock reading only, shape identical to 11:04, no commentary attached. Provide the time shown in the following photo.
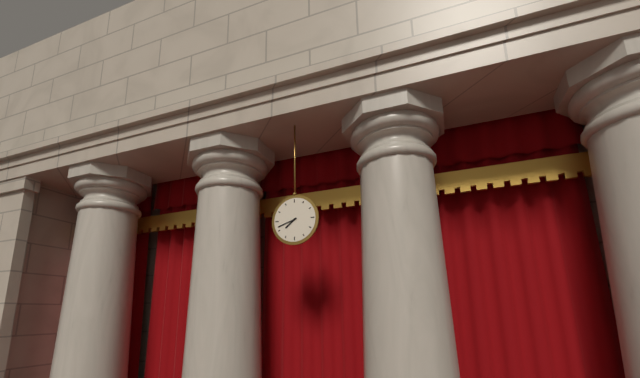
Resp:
7:42
